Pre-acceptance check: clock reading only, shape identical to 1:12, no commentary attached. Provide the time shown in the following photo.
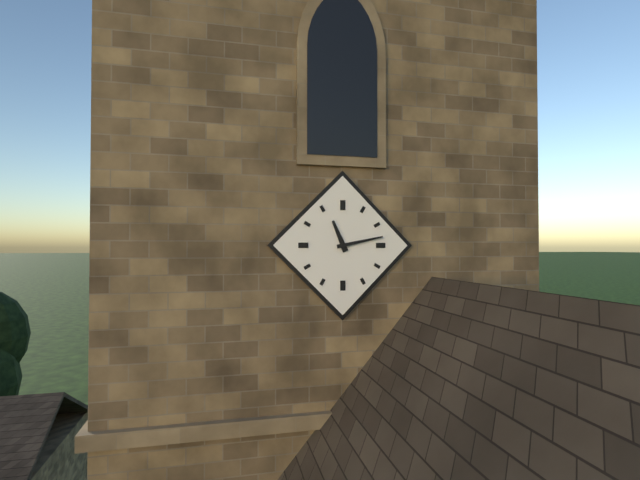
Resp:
11:13
